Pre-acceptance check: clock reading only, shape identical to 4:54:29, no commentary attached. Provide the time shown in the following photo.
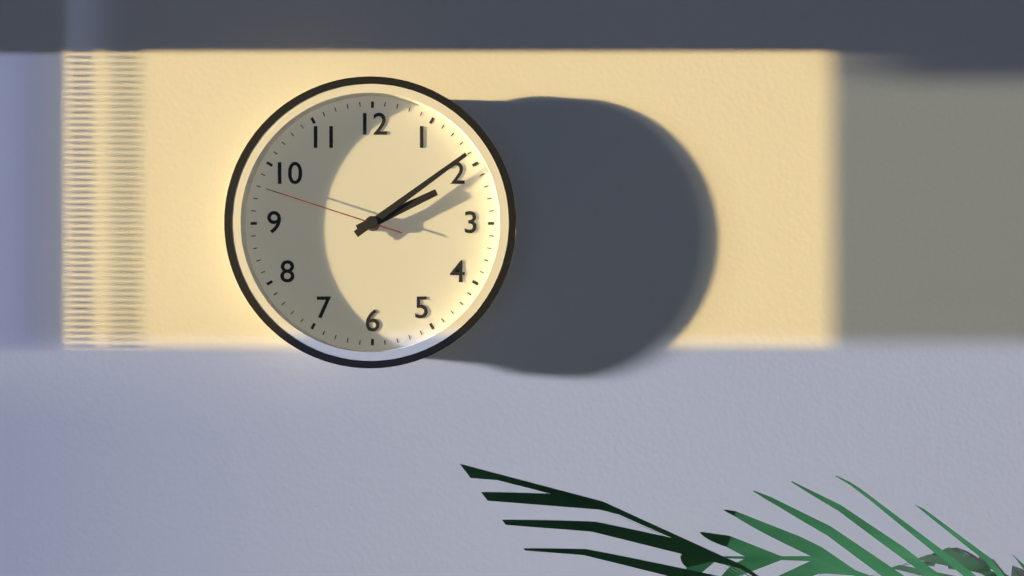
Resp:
2:09:48
